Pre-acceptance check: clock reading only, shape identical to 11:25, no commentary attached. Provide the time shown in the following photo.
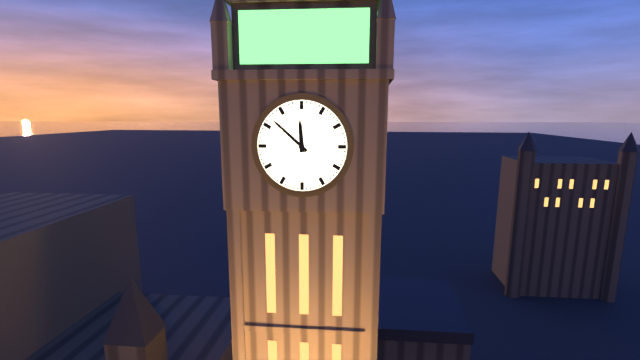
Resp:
11:52
